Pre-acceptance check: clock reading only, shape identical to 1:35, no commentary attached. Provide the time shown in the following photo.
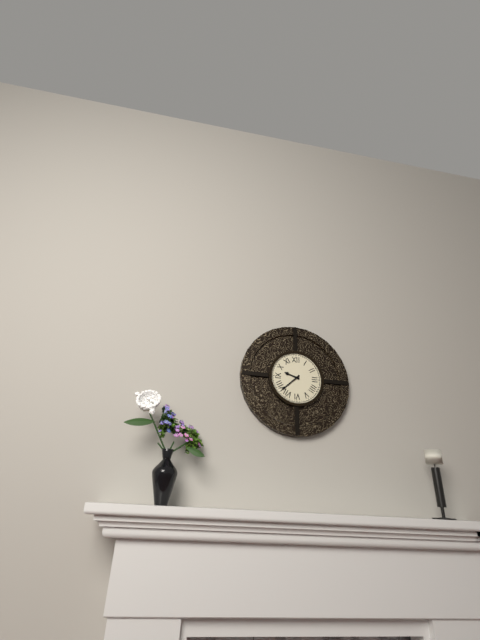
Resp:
9:38
